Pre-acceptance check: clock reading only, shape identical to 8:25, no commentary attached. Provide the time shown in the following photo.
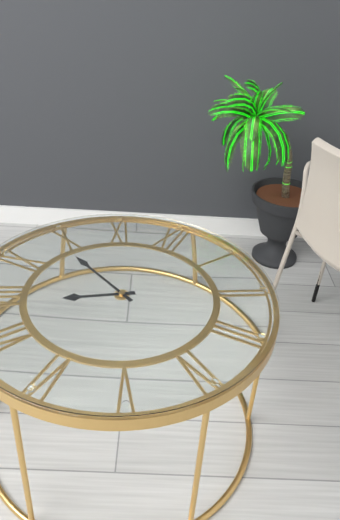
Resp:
7:49
